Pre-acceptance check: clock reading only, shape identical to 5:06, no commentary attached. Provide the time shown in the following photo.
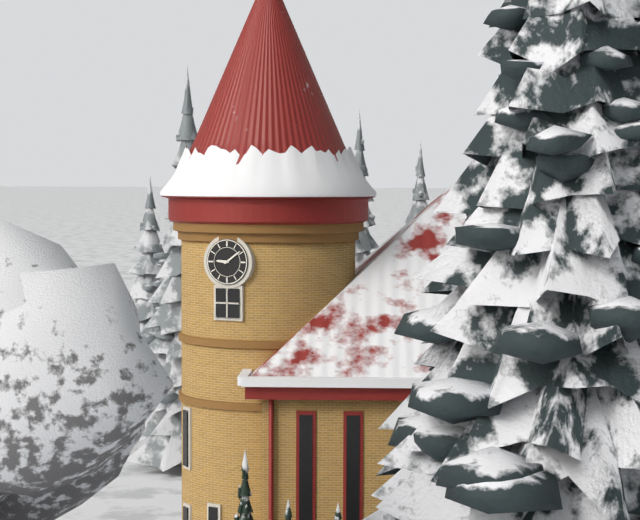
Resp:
9:09
